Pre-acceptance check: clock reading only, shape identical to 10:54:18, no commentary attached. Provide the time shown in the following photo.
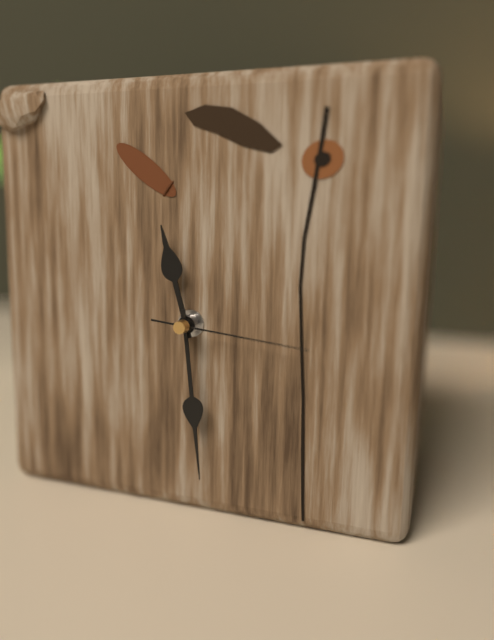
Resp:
11:29:16
